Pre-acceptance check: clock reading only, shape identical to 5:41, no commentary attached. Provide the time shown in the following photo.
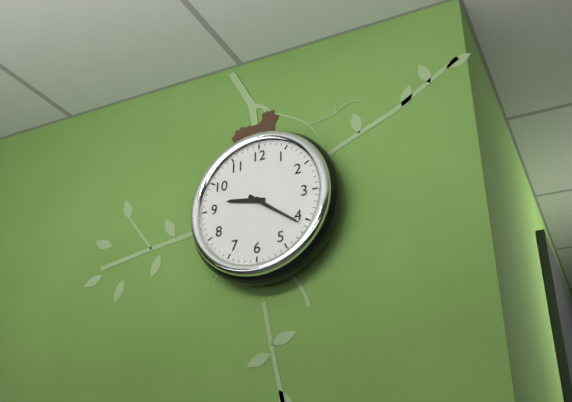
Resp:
9:21
